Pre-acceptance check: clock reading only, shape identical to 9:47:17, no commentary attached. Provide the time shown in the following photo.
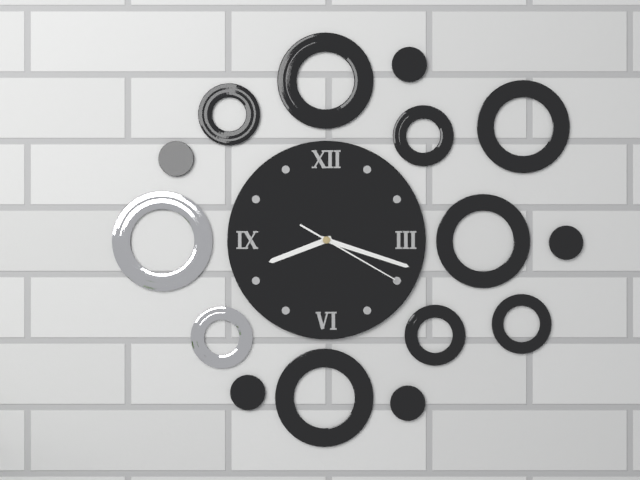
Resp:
8:18:20
